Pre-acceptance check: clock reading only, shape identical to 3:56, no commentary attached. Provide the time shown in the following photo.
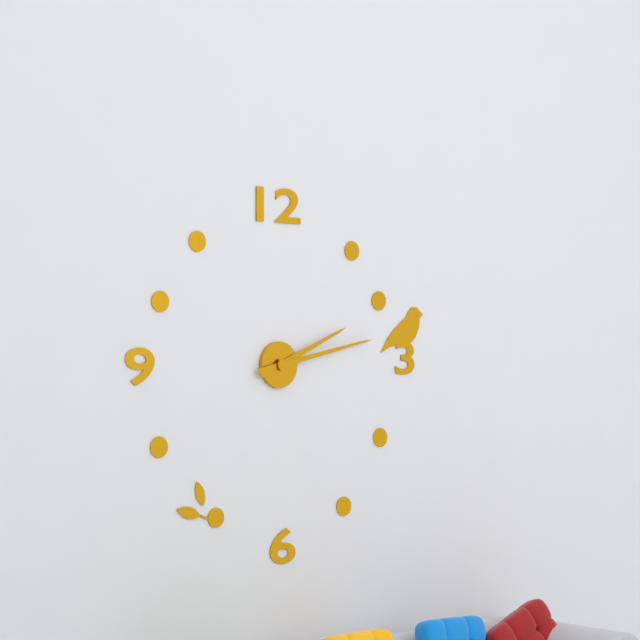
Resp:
2:13
